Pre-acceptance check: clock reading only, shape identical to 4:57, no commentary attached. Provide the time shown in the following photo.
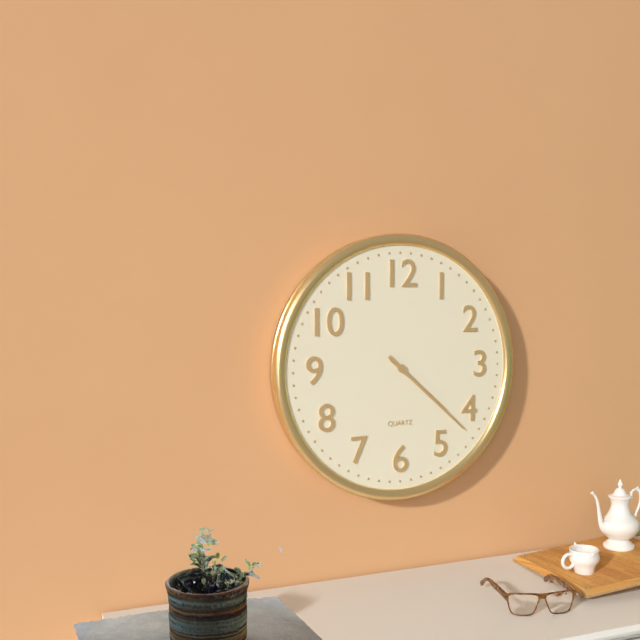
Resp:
4:22
